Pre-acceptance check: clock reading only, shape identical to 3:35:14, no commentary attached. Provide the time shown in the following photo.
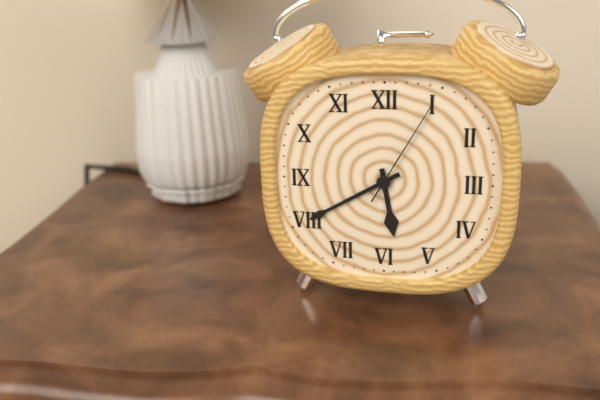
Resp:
5:40:05
